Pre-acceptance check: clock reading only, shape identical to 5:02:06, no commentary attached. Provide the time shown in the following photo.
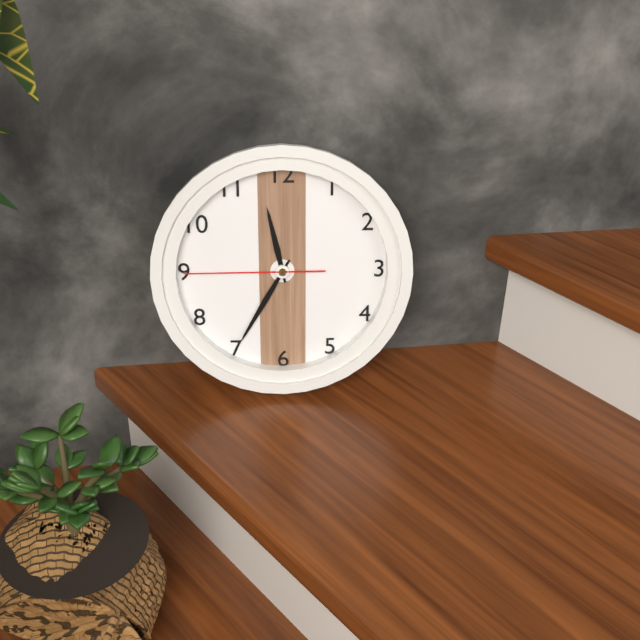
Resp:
11:35:45
